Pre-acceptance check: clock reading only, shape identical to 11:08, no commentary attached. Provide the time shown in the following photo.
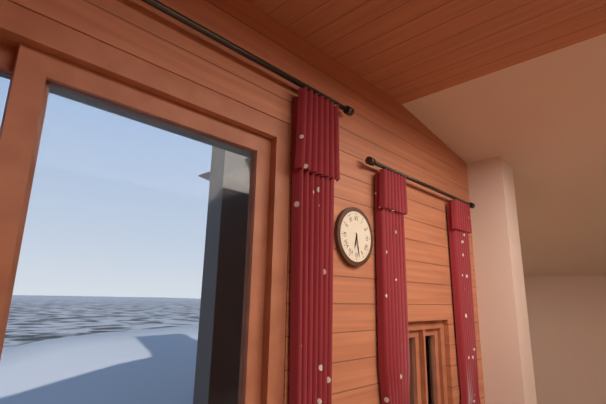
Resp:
6:28
